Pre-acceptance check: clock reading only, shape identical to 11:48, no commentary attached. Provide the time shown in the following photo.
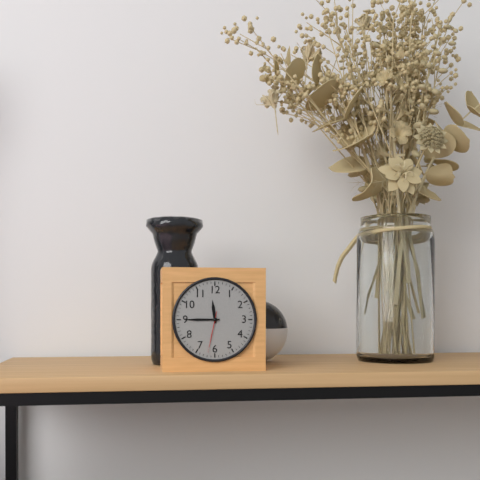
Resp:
11:45
